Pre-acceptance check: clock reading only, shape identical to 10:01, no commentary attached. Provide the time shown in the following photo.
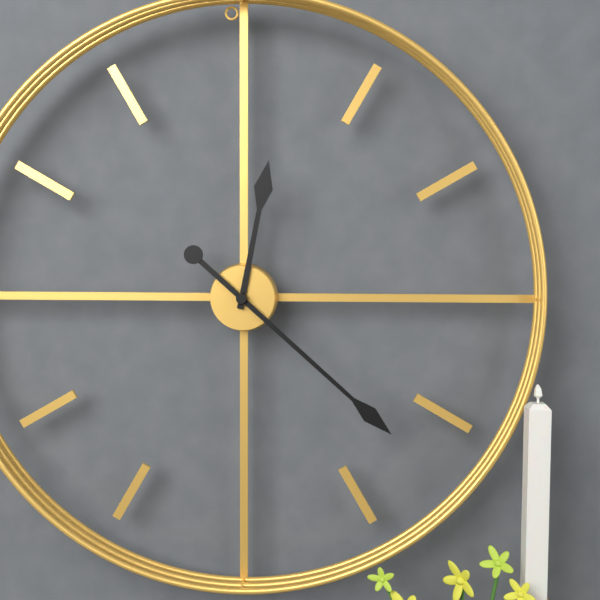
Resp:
12:22
